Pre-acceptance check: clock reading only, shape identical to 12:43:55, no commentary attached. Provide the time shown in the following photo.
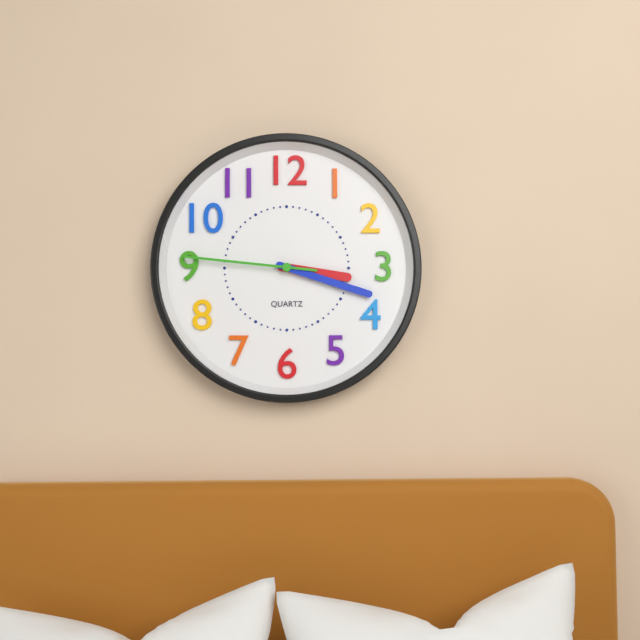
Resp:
3:18:46
